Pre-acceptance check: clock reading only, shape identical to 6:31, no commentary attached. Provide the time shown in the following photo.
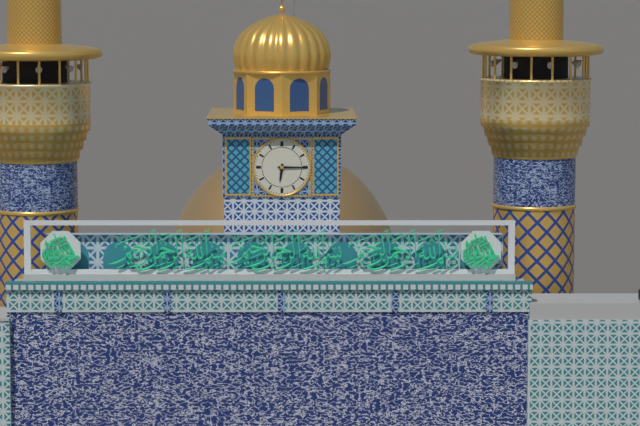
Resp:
6:15
